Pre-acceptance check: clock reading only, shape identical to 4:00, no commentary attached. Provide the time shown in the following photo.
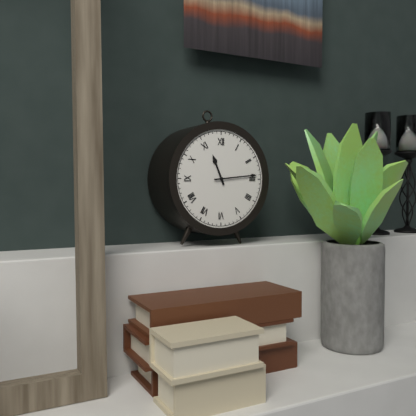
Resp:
11:14
